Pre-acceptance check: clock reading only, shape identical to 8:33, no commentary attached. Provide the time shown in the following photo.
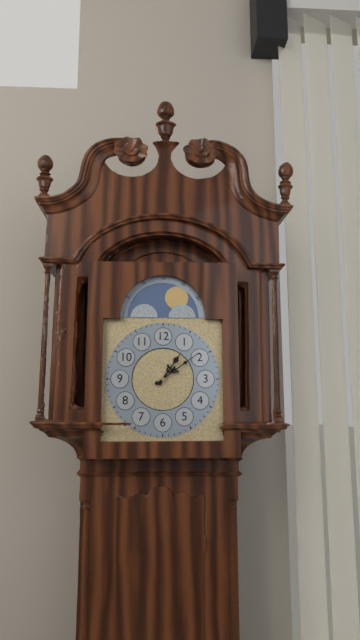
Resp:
1:09
